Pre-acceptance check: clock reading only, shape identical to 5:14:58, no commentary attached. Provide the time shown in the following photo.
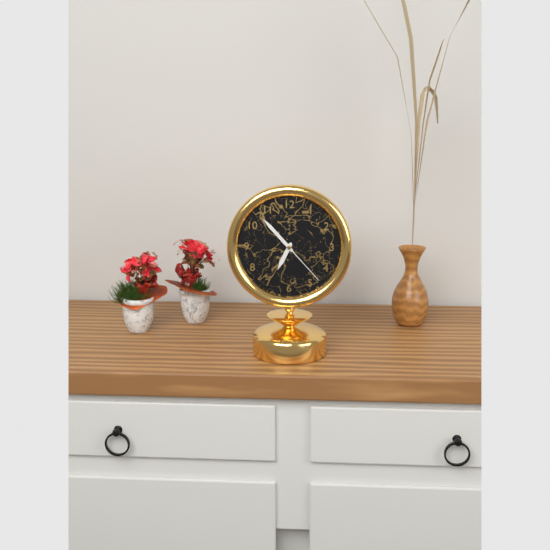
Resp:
6:53:23
